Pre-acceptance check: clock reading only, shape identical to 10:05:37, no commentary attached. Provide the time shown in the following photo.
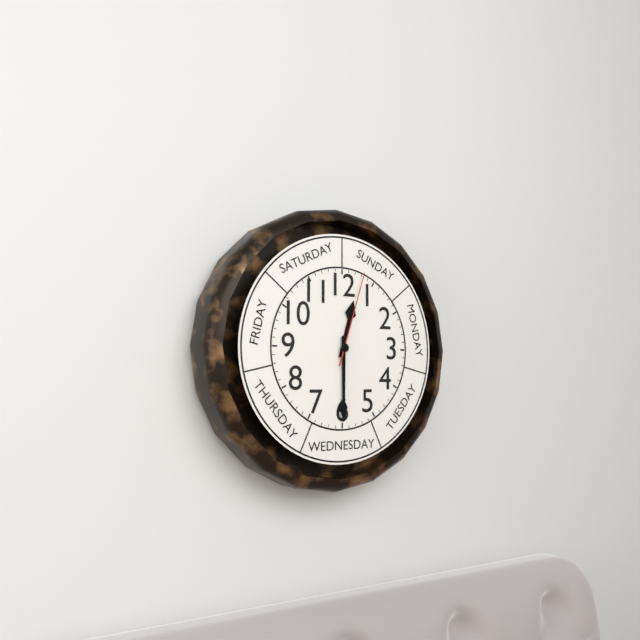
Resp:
12:30:03
